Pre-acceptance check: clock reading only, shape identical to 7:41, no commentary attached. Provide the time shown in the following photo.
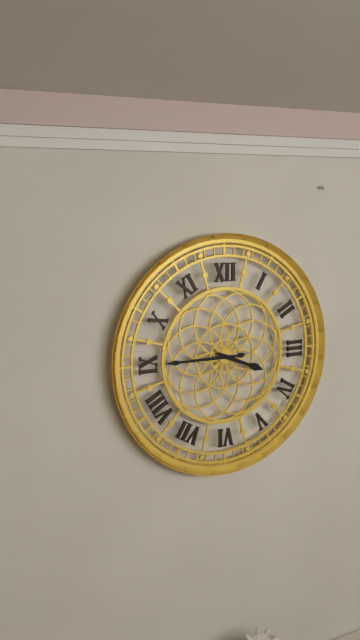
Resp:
3:45
